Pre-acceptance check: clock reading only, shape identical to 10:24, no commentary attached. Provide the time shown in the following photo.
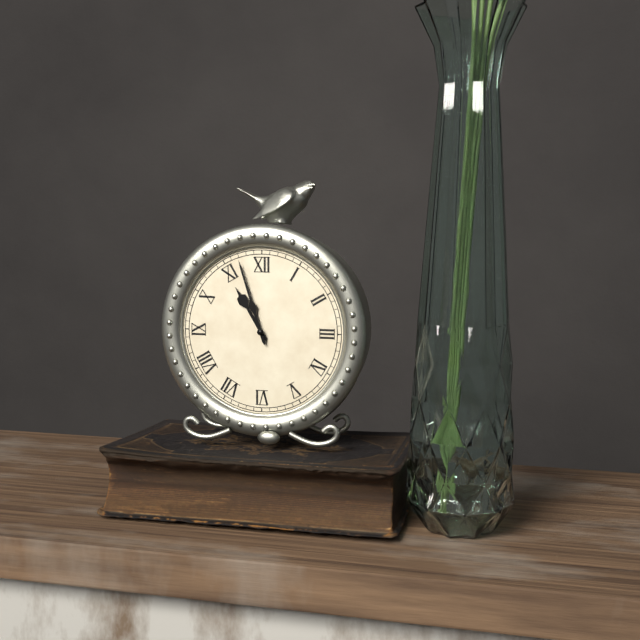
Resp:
10:57
